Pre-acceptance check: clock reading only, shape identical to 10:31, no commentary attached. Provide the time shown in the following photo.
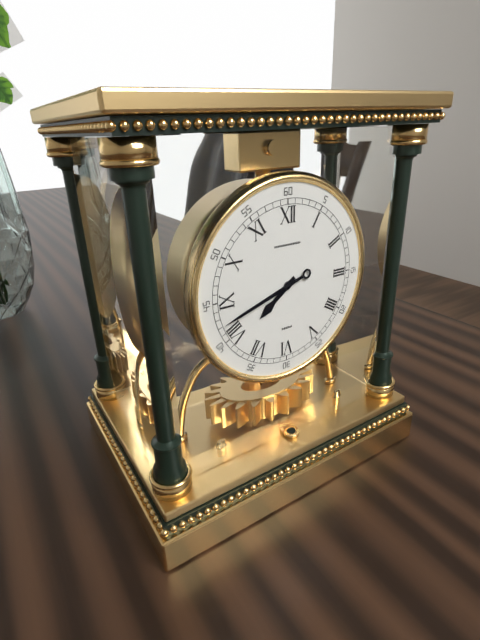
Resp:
7:42
